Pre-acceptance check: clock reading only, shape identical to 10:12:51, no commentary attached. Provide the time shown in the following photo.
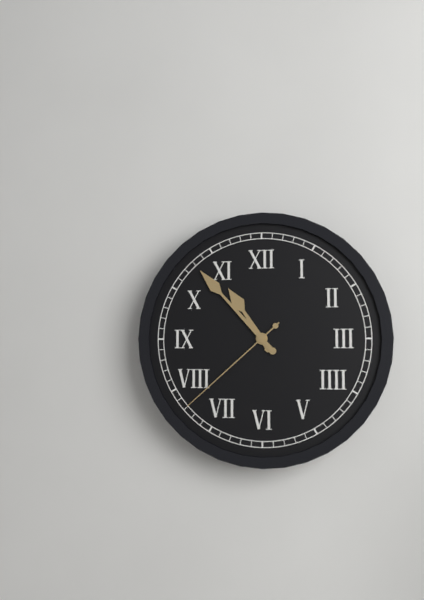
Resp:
10:53:38
